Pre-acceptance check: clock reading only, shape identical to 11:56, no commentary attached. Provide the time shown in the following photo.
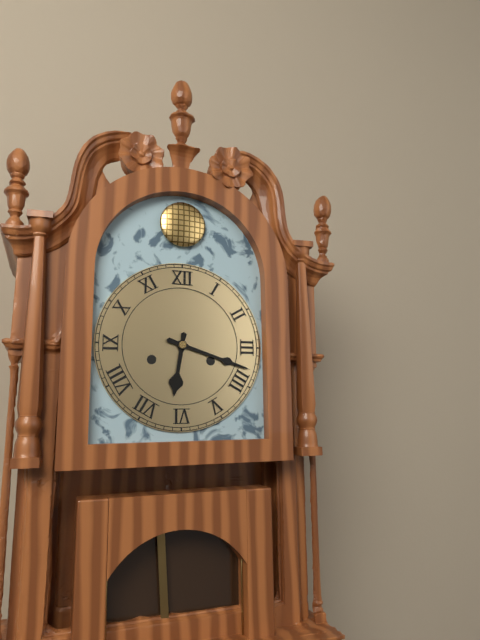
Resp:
6:18
